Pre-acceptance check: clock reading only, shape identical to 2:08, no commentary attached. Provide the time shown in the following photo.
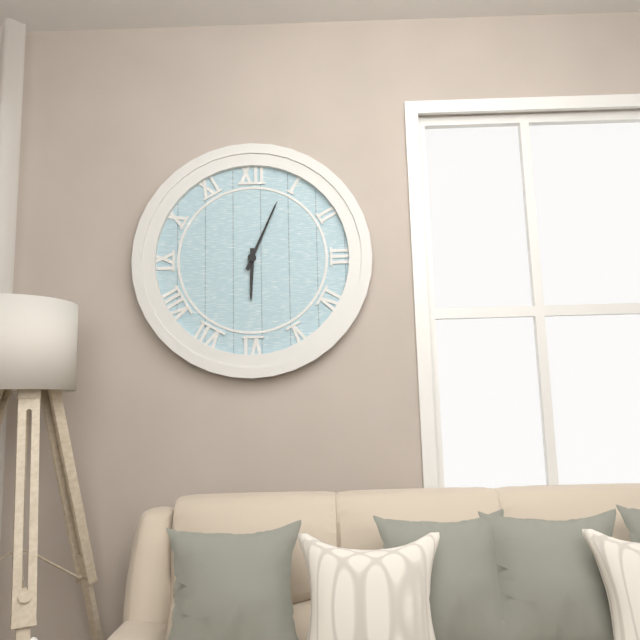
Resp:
6:04
